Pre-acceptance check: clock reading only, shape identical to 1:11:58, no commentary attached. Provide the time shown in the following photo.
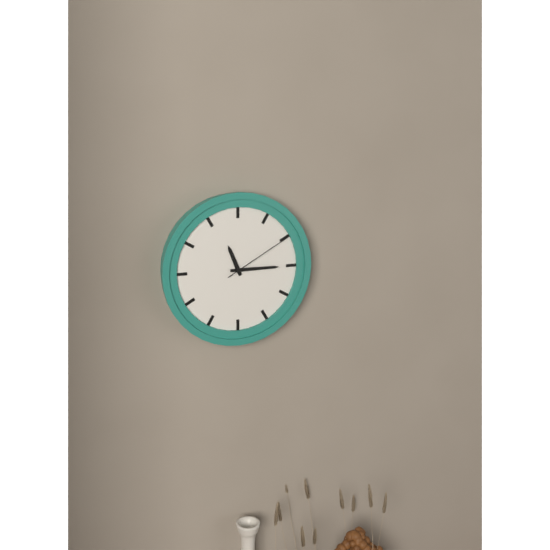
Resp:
11:15:10
